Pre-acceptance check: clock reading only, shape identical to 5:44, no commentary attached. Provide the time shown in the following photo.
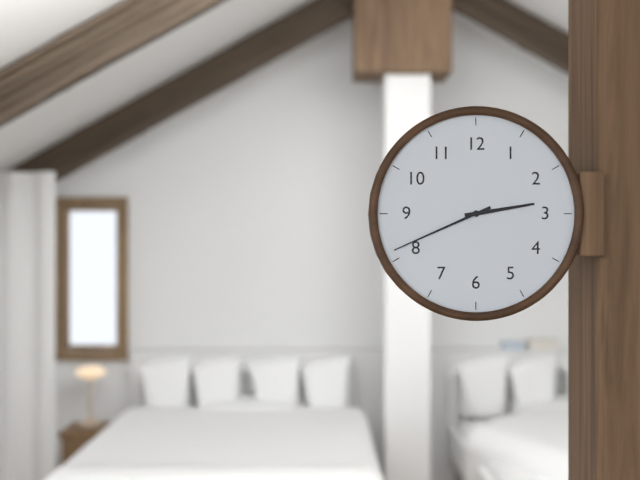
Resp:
2:41
